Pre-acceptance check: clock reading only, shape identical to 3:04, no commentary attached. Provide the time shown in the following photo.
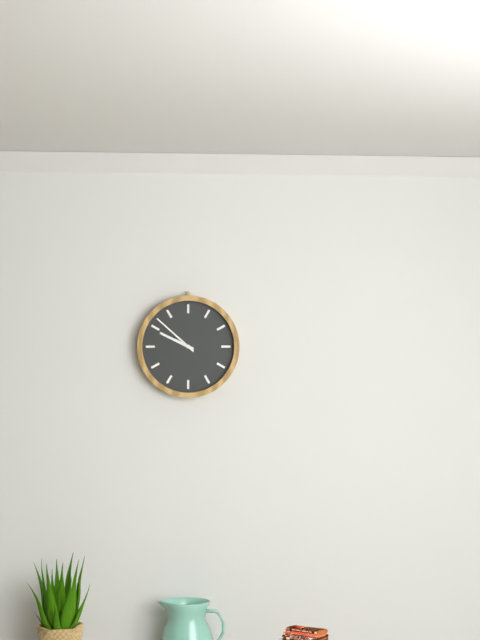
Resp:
9:52
